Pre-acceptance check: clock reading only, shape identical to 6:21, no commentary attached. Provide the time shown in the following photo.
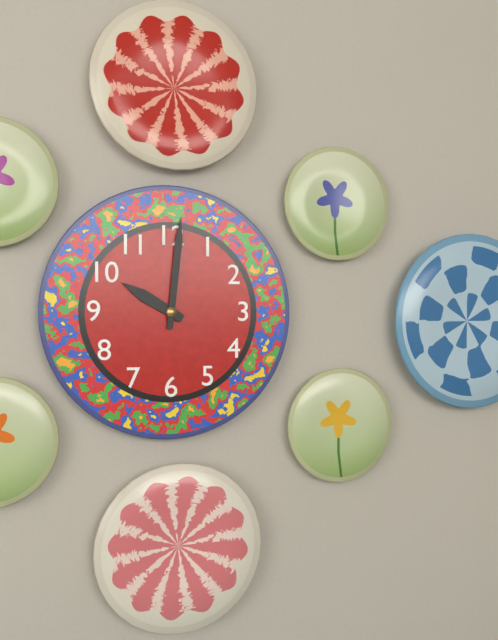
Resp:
10:01
